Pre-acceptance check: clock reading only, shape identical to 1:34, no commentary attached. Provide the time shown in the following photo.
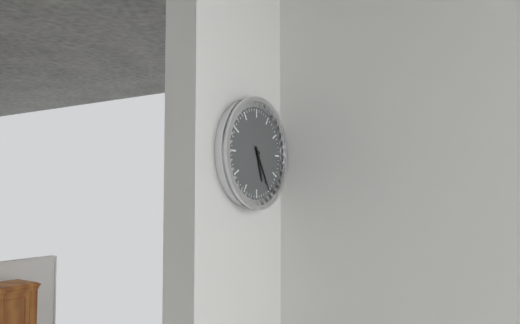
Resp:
5:25
